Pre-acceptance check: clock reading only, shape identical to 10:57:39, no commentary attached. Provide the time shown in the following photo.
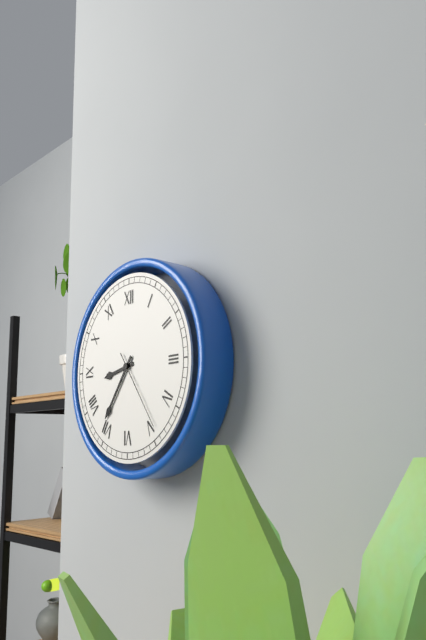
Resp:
8:36:24
